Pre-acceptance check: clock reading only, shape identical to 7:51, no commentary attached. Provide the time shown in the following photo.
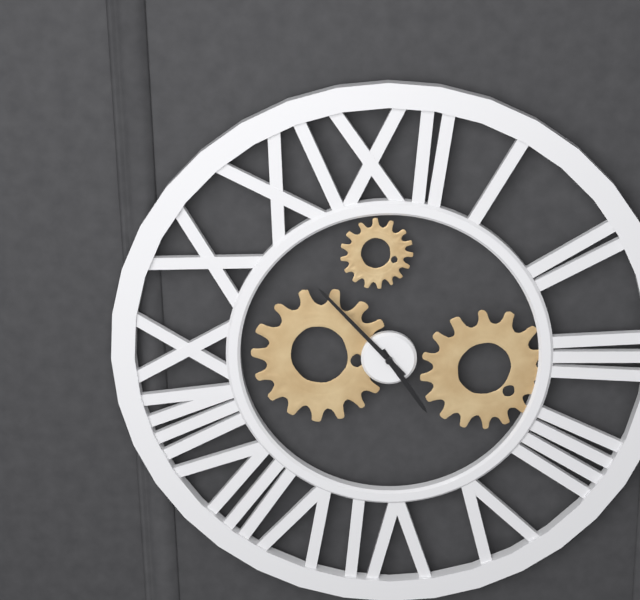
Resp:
4:53
